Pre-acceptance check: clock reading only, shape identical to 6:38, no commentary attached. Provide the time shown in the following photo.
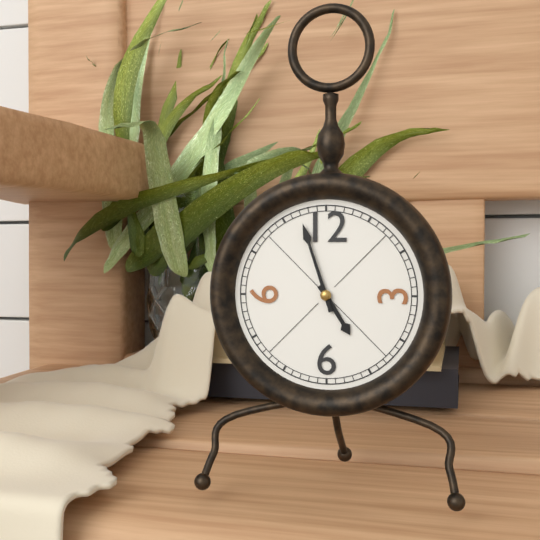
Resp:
4:57
